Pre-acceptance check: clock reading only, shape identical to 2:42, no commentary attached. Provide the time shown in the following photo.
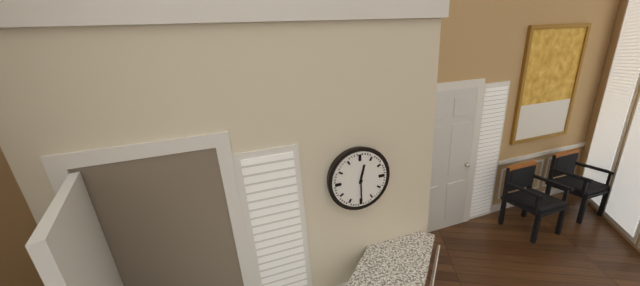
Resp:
12:30
